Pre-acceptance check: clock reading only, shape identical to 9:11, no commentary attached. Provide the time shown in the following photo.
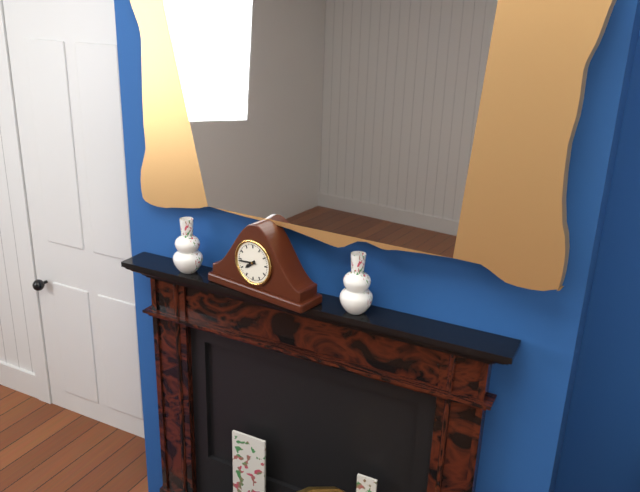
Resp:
7:44
